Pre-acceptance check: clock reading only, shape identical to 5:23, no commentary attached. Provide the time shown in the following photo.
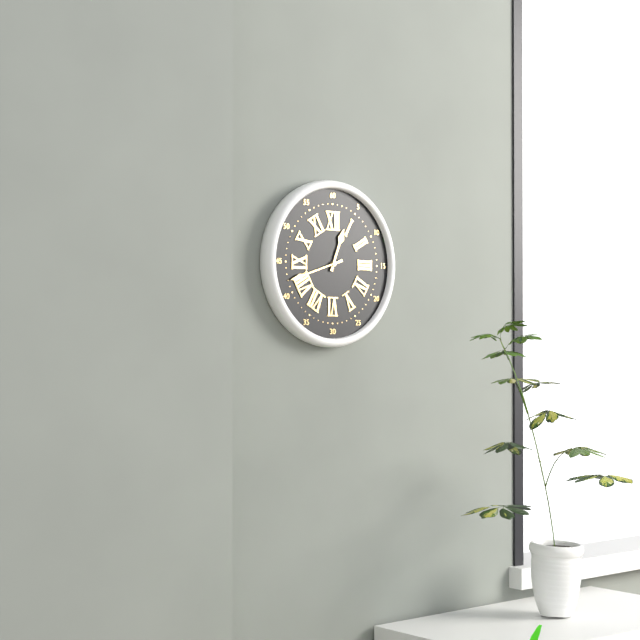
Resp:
12:42
